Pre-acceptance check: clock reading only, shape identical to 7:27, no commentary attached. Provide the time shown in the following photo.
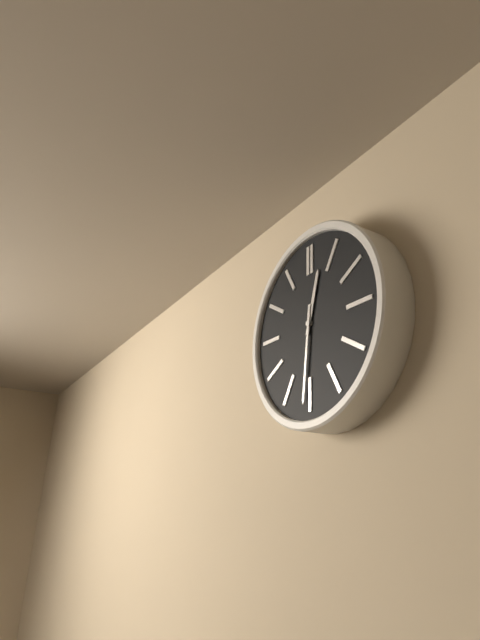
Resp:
12:31
